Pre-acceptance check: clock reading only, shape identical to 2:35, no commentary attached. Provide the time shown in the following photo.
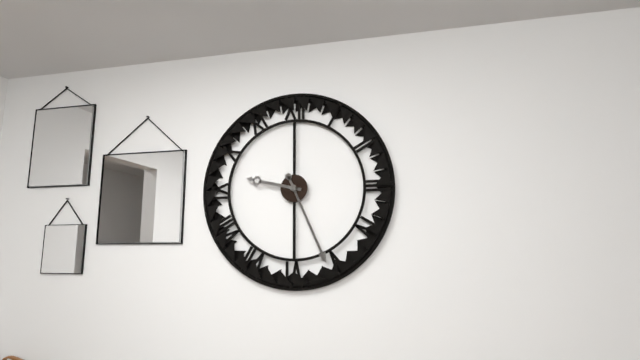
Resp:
9:26
